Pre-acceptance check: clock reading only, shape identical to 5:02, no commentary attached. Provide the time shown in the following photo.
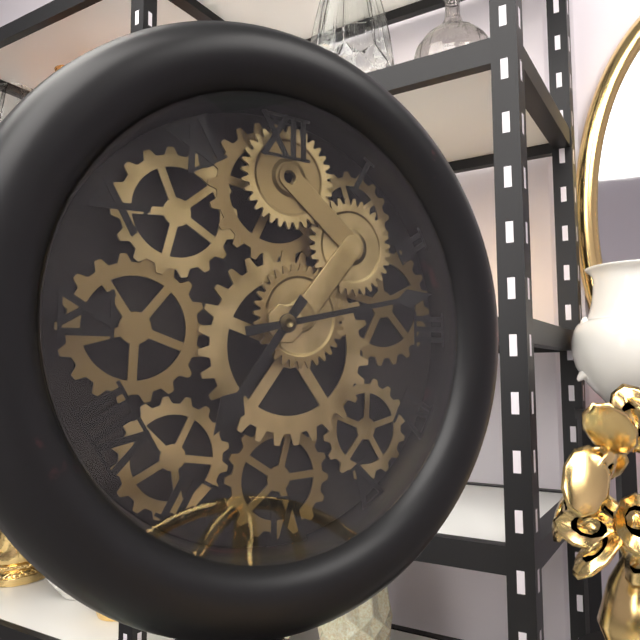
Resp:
7:13
